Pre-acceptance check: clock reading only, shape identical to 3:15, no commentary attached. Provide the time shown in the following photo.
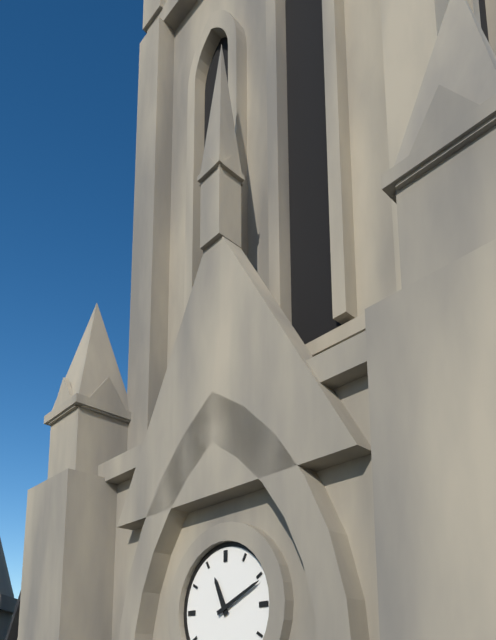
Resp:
11:11
